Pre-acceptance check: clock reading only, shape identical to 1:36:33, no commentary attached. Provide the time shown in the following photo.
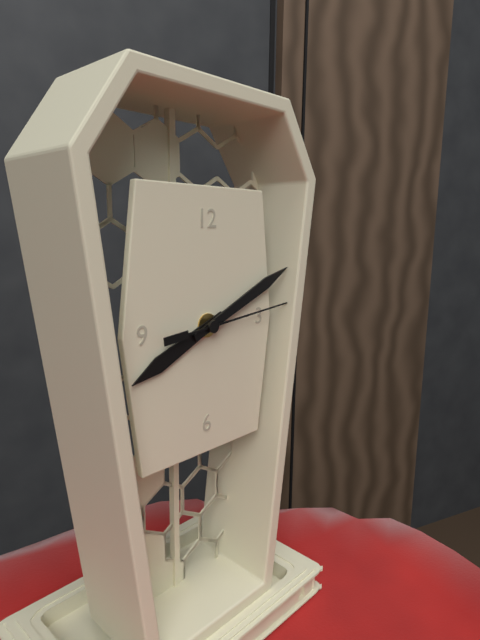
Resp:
8:11:14
